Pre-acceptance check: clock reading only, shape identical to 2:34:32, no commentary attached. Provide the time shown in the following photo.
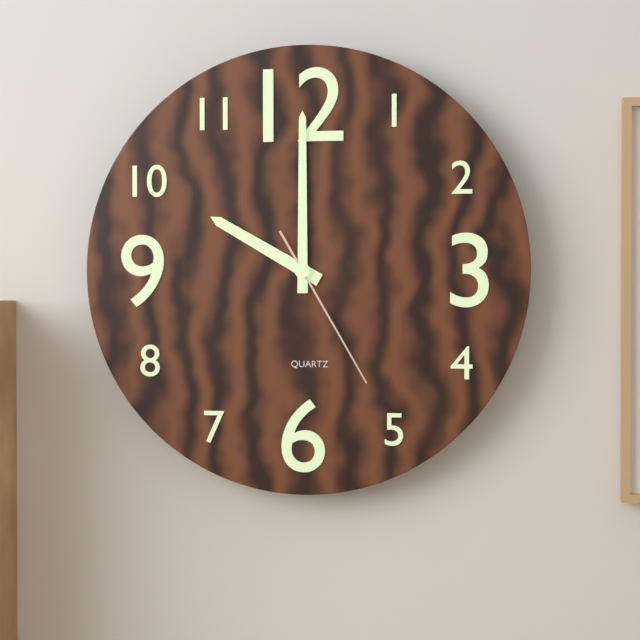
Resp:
10:00:25
